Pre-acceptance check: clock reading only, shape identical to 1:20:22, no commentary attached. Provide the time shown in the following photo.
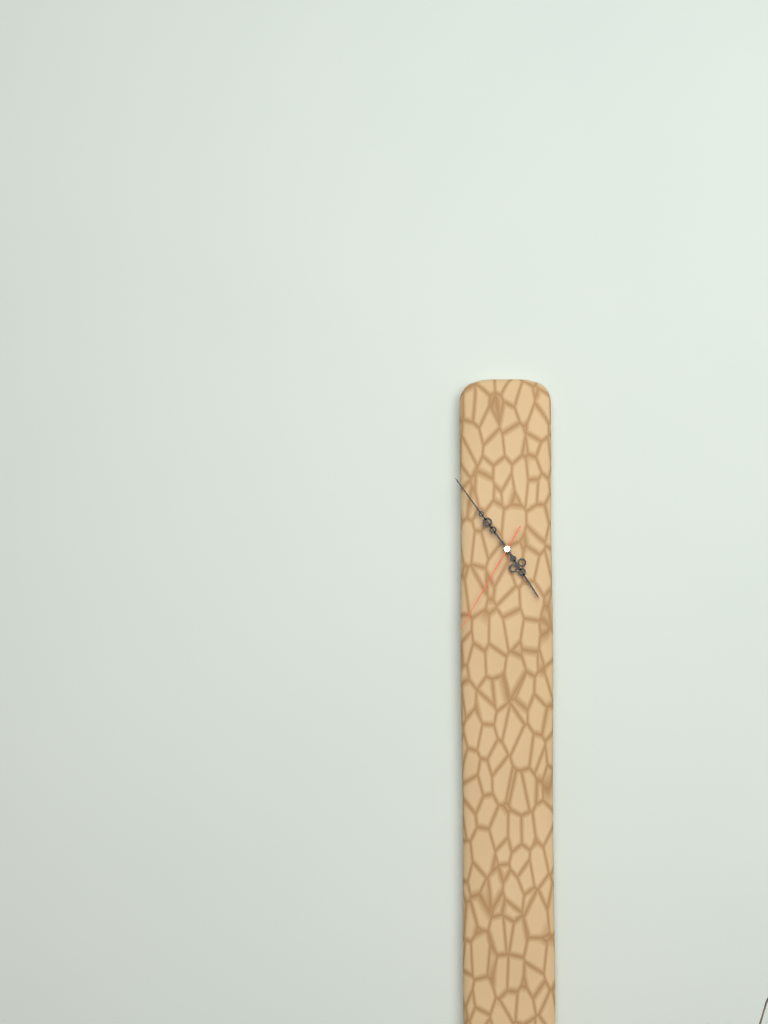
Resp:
4:54:35
